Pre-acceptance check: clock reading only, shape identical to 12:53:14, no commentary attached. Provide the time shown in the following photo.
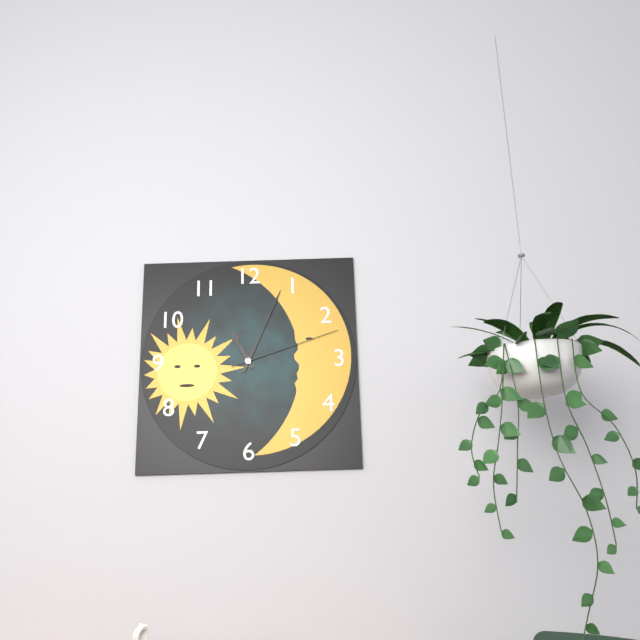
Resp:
11:04:12
